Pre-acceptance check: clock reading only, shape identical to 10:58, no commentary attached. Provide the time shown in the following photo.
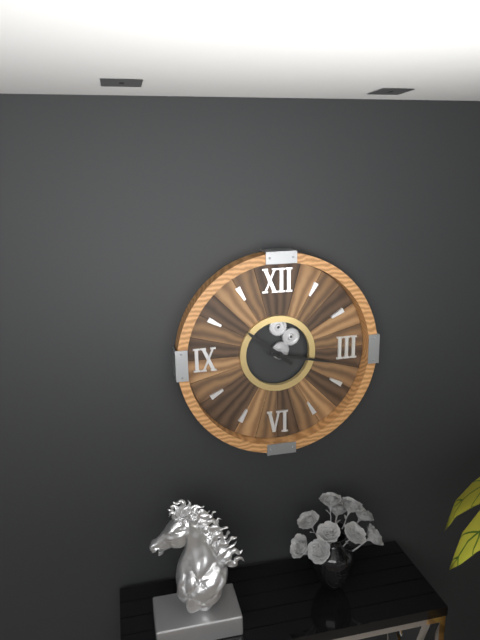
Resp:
10:17
